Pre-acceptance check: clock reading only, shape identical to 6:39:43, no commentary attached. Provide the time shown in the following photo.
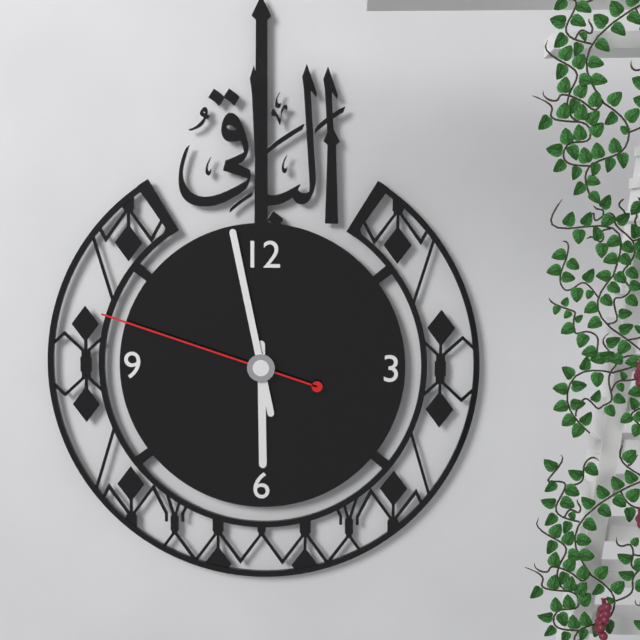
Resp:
5:58:48
